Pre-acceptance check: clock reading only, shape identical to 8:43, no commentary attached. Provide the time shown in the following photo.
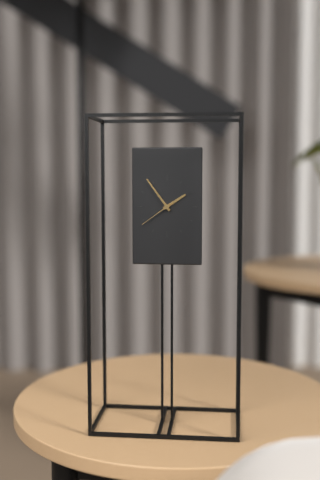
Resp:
1:54
